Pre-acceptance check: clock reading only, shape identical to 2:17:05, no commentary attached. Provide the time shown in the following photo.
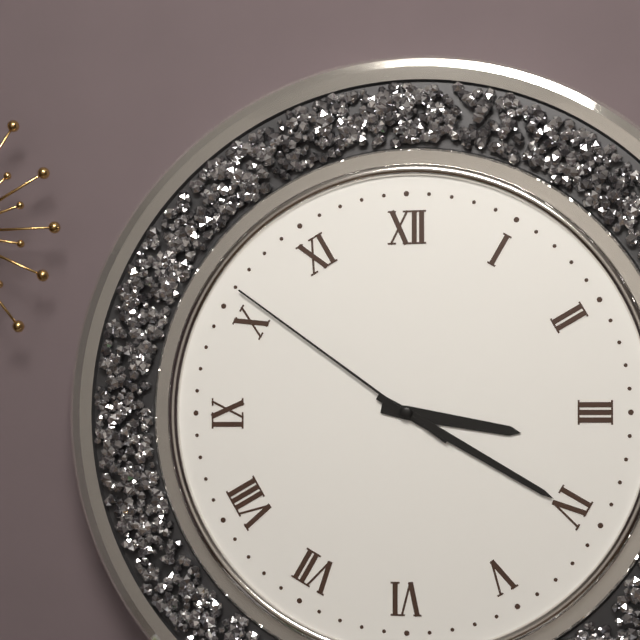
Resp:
3:20:51
